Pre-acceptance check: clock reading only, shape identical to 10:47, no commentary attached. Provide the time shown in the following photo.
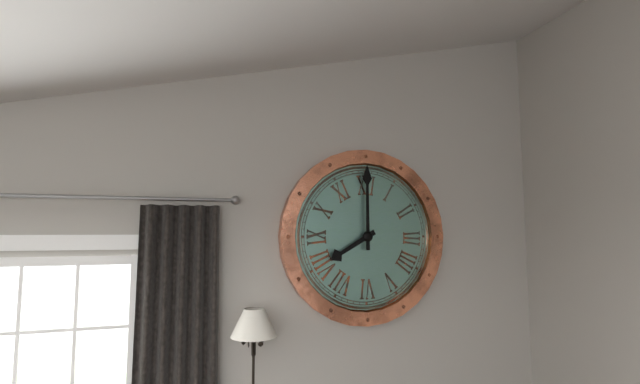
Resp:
8:00
